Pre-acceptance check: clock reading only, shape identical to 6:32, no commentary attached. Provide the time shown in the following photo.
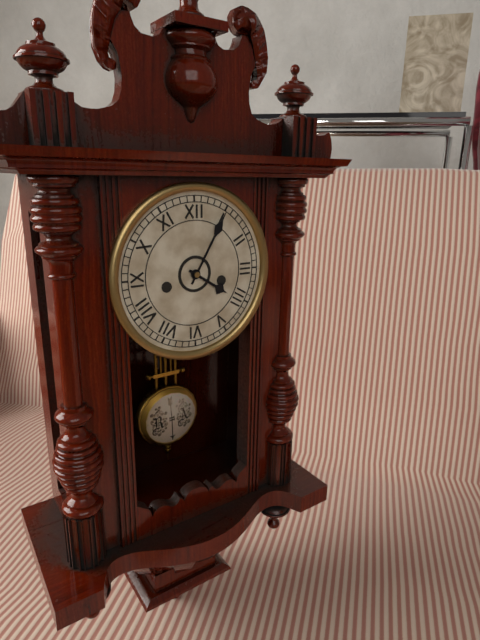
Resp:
4:05
